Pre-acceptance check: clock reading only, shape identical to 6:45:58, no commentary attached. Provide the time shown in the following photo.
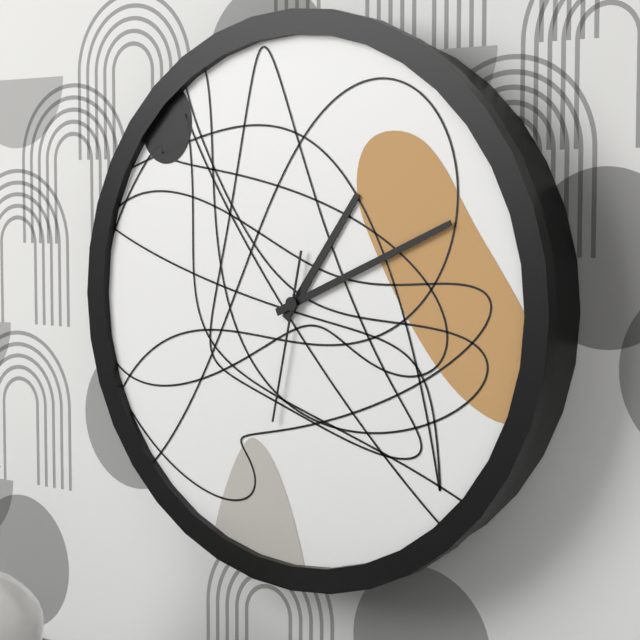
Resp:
1:11:32
